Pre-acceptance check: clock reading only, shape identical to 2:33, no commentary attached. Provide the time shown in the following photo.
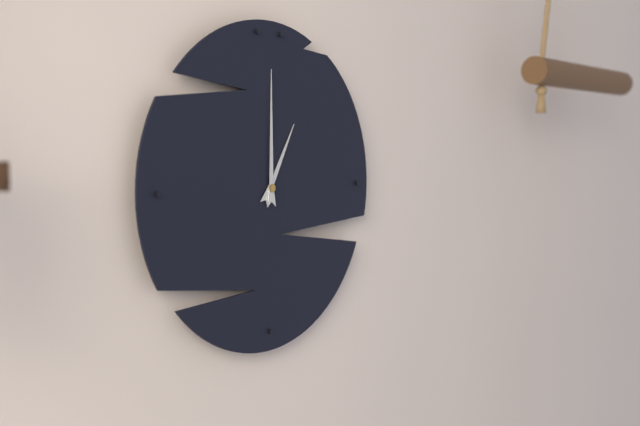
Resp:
1:00
